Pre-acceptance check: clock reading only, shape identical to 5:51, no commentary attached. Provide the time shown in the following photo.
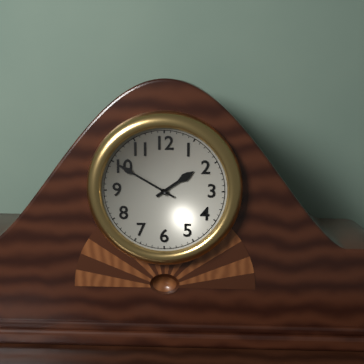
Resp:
1:50
